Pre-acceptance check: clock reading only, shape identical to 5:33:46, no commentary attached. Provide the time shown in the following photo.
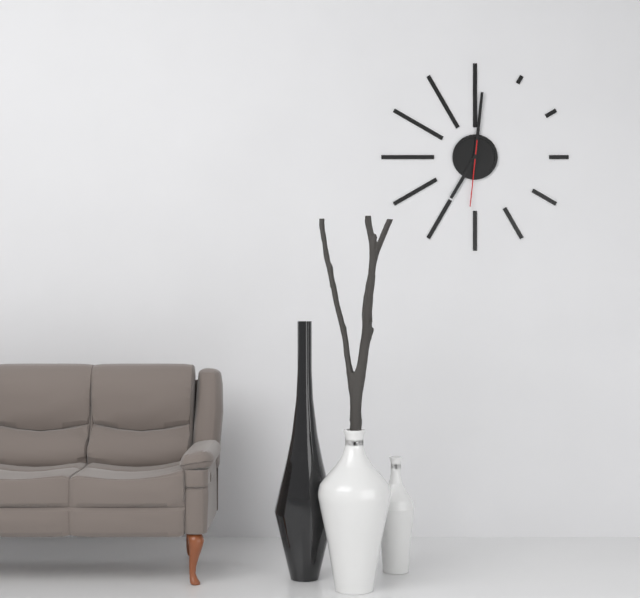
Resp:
7:01:31
